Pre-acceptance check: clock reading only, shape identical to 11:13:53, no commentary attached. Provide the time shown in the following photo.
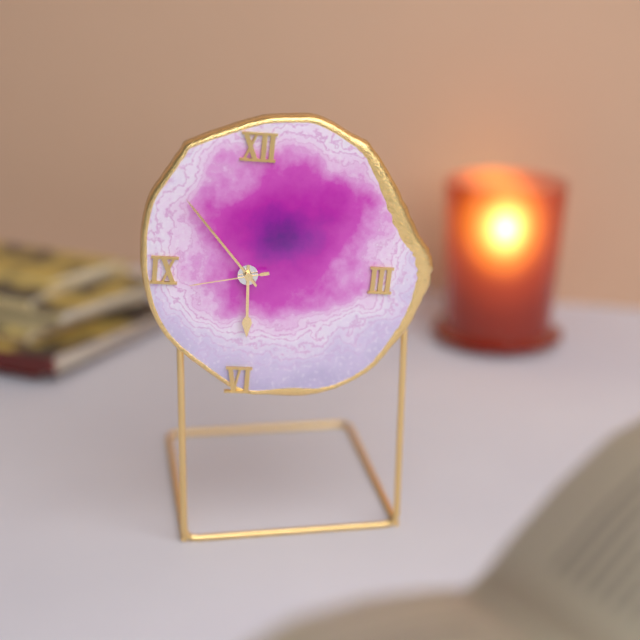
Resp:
5:53:43
